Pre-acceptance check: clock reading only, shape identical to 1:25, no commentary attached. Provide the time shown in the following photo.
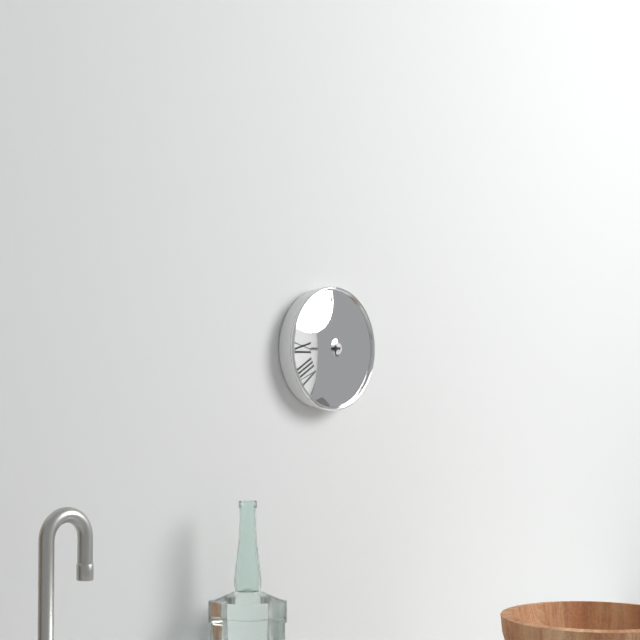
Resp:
8:59
